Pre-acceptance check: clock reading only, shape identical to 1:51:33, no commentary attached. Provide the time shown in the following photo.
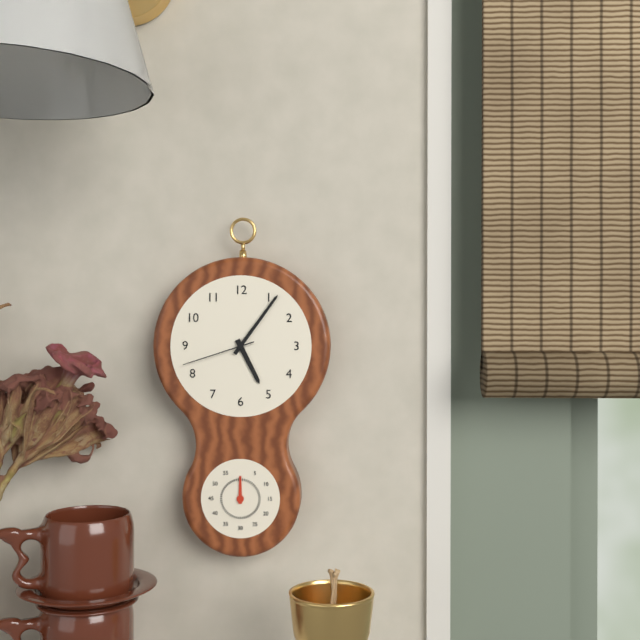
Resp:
5:06:42
